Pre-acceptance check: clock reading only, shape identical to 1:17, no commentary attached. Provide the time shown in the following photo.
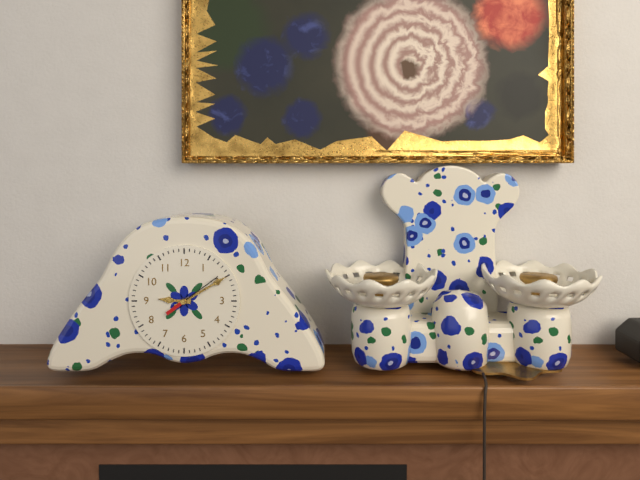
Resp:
9:10
